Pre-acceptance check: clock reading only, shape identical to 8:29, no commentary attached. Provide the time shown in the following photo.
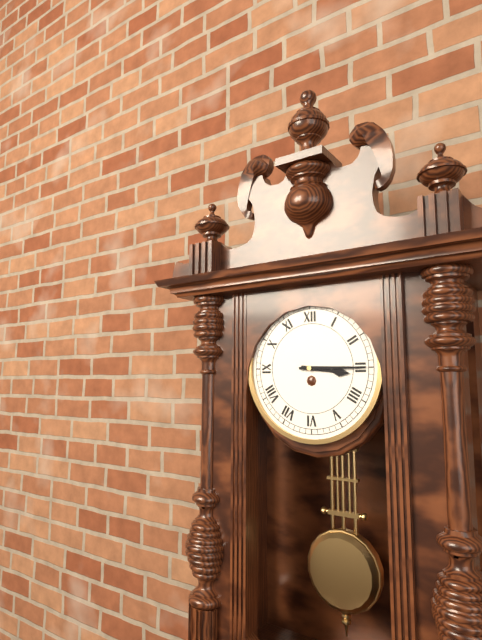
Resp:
3:15
